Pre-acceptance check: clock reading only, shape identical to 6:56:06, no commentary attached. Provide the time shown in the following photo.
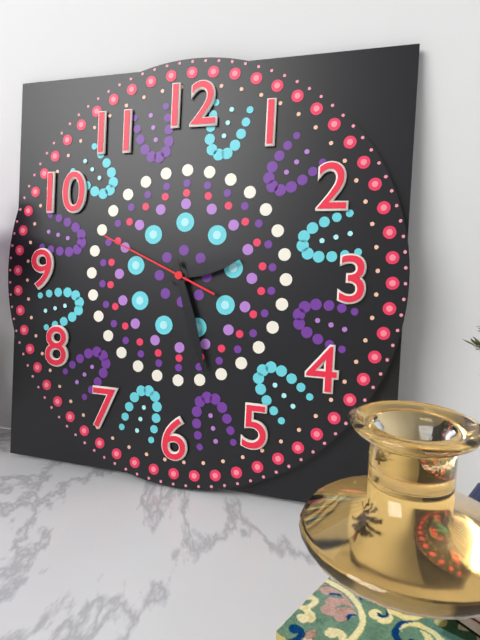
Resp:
2:27:49
